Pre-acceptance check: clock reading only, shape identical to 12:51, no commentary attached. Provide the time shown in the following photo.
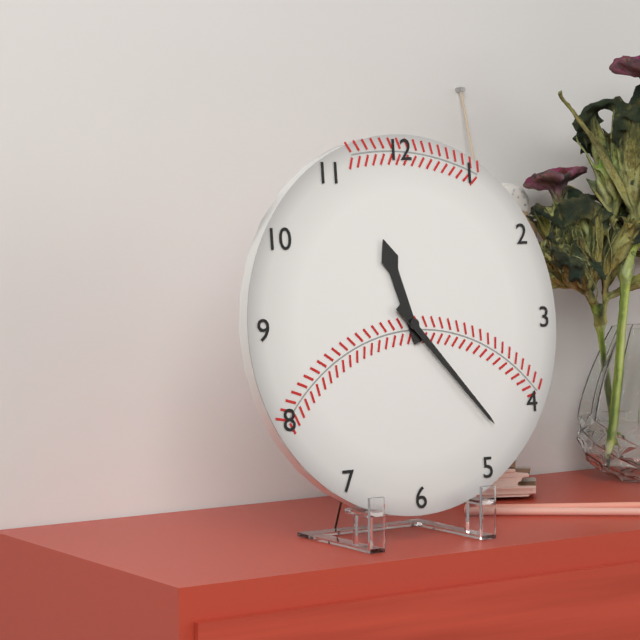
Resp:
11:23
